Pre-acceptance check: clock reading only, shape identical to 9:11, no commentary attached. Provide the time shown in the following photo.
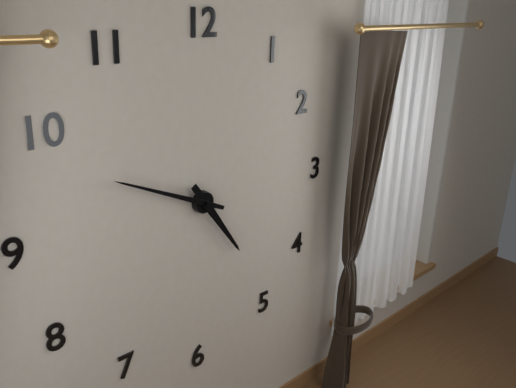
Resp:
4:49
